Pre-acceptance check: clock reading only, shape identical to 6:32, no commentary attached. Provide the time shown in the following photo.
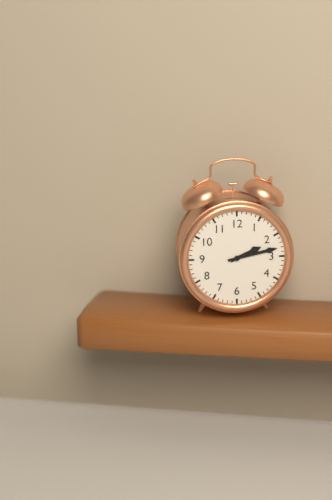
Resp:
2:13
